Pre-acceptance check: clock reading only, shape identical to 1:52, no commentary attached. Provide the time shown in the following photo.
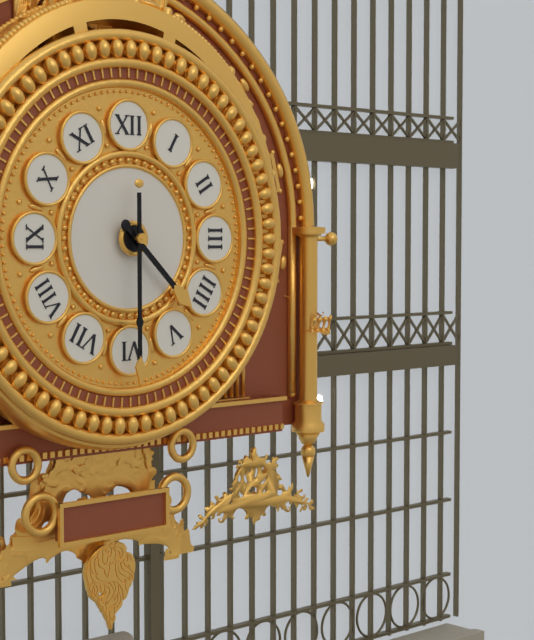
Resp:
4:30
